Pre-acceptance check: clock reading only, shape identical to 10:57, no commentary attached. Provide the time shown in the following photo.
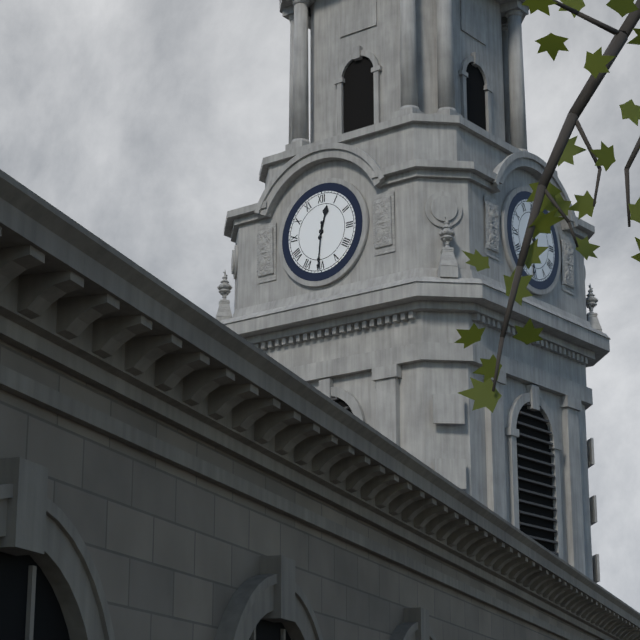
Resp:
12:31
